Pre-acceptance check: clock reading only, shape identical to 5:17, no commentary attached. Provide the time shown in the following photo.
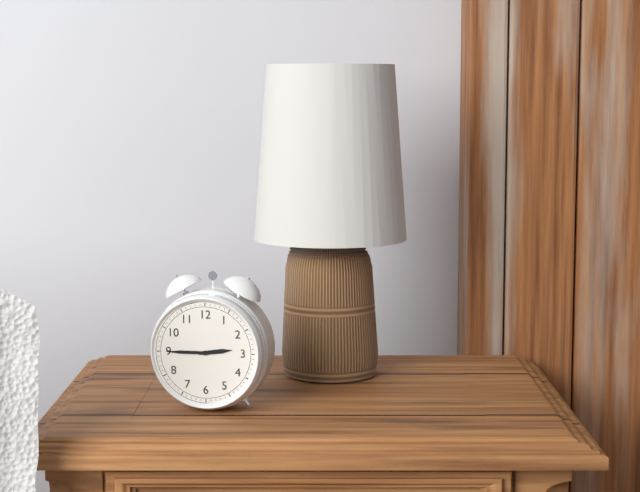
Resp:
2:45
